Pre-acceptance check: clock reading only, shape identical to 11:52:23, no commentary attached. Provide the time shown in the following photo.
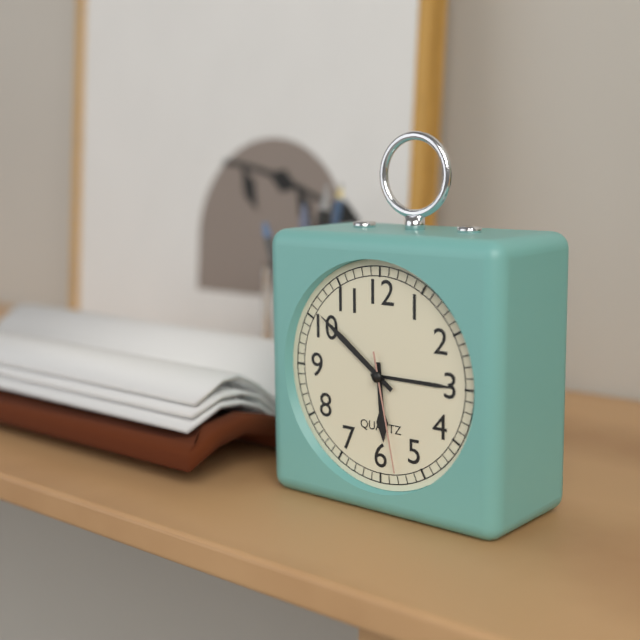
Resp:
5:51:28
